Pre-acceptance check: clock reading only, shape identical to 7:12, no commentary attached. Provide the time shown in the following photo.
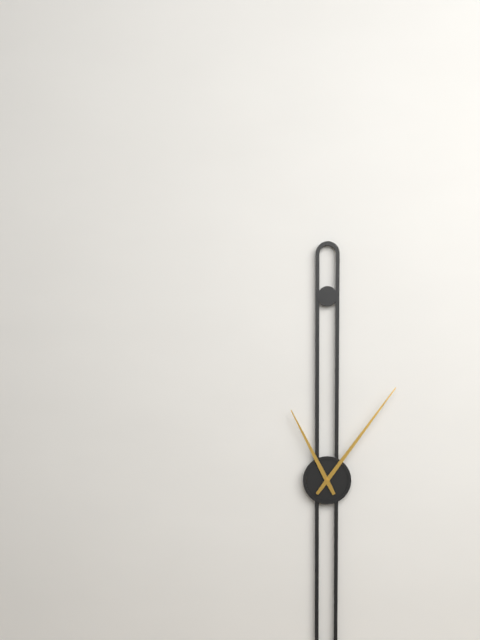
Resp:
11:06
